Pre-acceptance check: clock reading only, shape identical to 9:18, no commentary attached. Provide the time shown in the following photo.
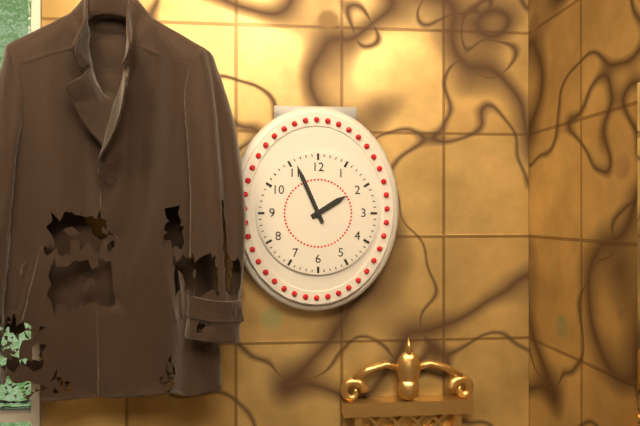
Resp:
1:56
